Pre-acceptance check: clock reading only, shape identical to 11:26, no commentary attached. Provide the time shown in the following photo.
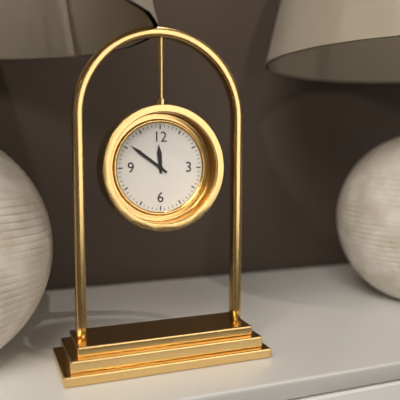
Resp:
11:51
